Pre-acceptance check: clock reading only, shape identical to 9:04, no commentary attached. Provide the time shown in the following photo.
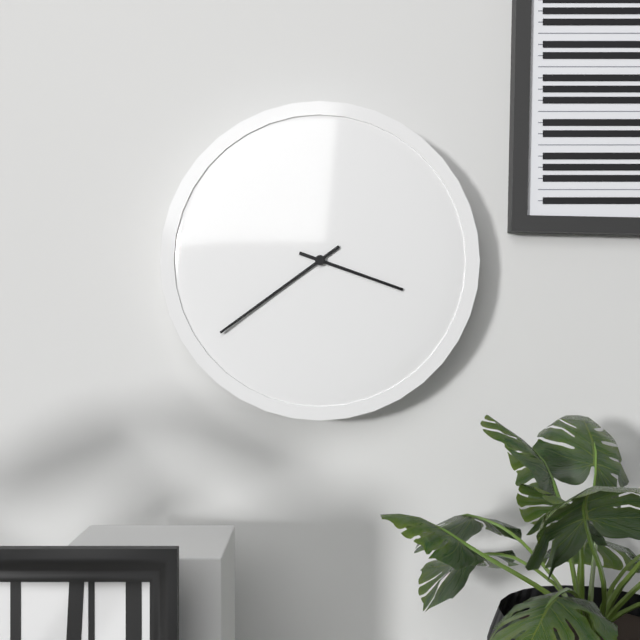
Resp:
3:39
